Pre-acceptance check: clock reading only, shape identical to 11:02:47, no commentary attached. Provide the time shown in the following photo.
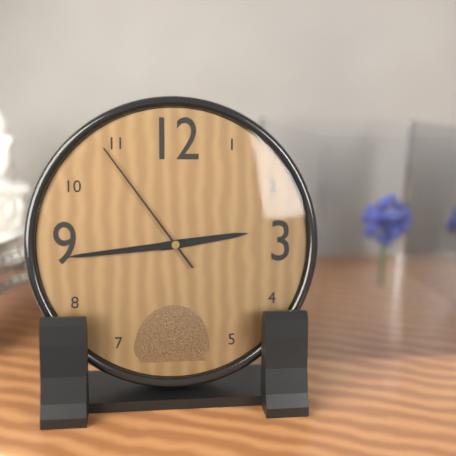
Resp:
2:44:54
